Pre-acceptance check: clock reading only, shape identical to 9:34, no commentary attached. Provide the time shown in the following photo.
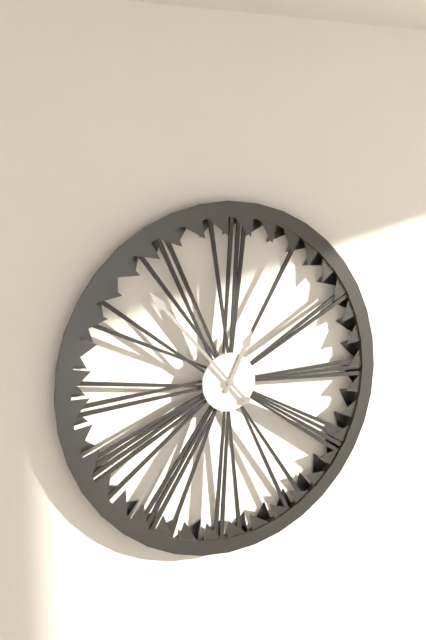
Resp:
12:53
